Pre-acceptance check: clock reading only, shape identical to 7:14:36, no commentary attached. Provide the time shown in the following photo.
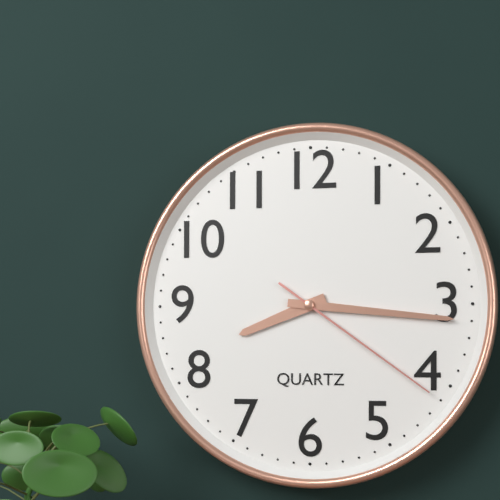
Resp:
8:16:21
